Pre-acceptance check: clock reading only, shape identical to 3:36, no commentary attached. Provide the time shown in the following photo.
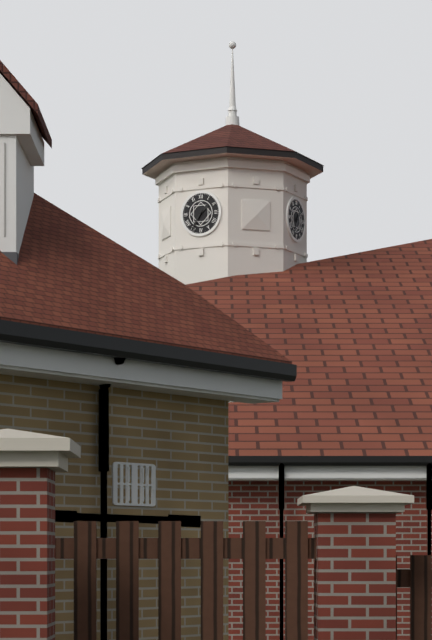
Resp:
1:35
